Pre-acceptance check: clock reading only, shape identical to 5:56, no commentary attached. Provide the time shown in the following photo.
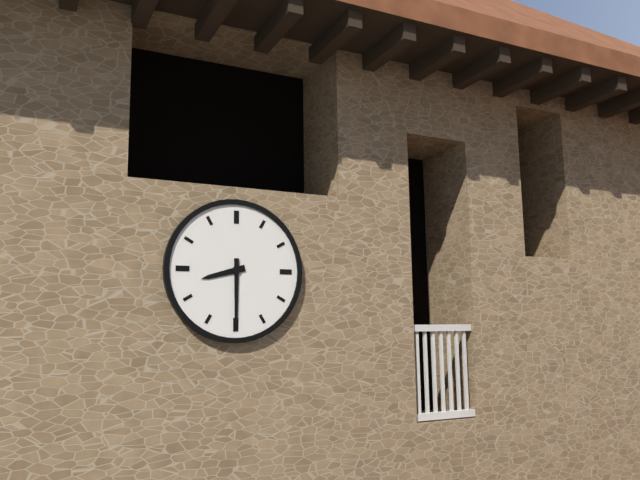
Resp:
8:30
